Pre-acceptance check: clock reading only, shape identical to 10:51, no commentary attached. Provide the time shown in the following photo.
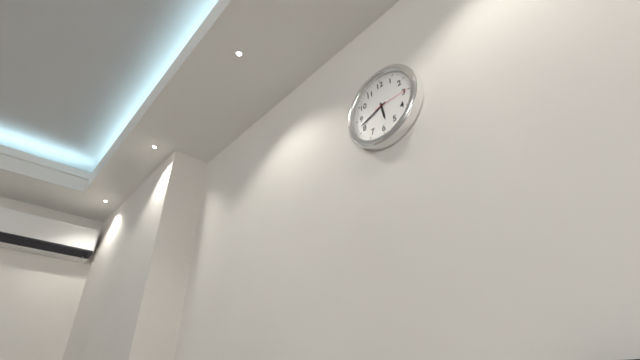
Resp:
5:42
